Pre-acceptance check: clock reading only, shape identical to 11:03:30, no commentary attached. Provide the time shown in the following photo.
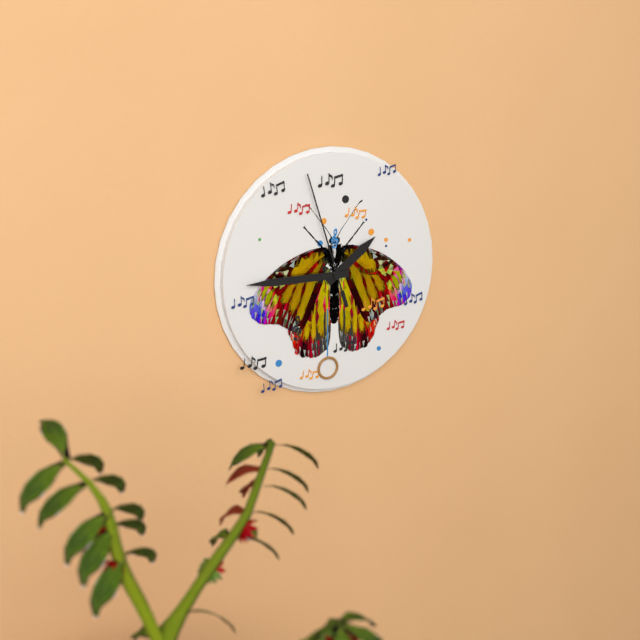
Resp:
1:45:57
